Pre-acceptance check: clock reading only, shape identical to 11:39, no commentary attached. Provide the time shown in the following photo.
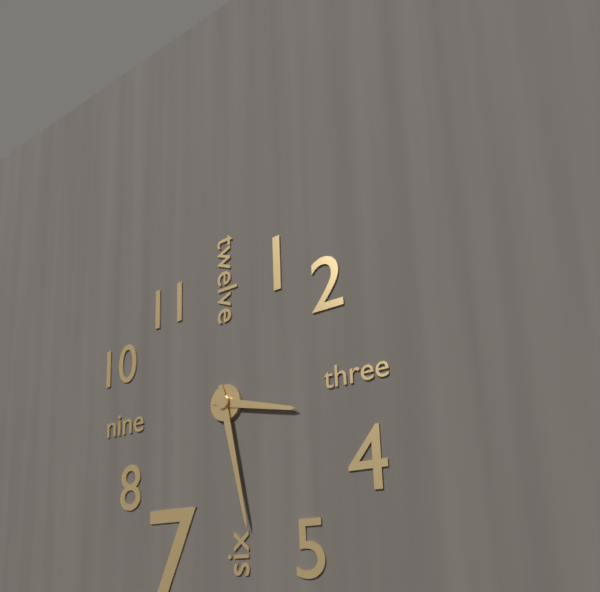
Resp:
3:28
